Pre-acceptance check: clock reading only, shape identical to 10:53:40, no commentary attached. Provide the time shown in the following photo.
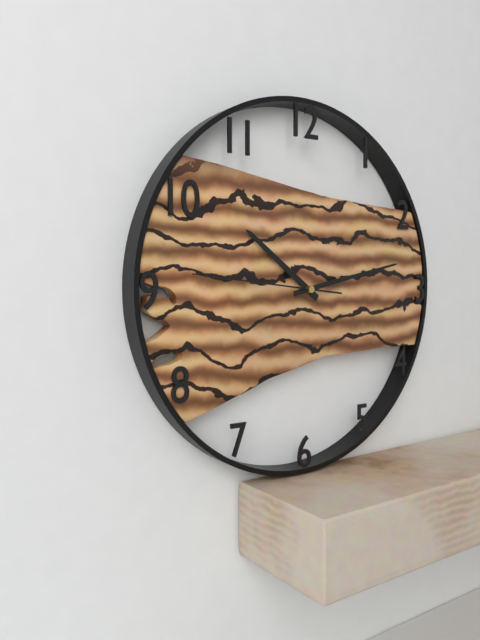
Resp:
10:13:46
